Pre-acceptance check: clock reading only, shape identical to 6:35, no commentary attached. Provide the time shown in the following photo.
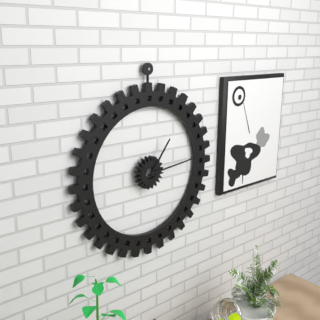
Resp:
1:14
